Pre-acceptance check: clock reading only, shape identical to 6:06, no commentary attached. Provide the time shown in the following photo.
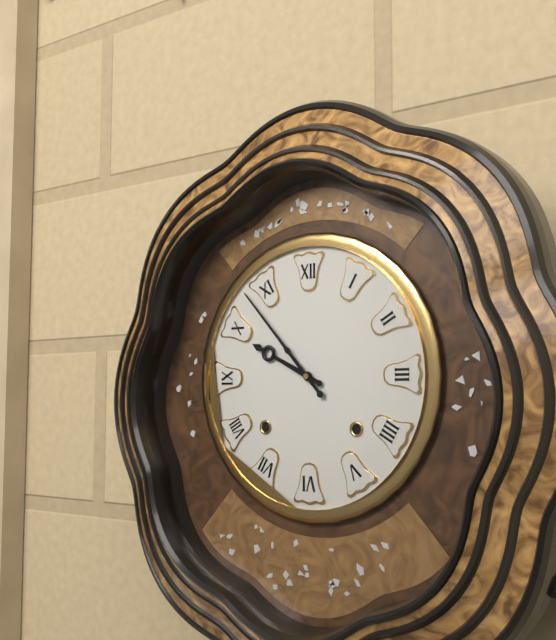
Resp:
9:53
